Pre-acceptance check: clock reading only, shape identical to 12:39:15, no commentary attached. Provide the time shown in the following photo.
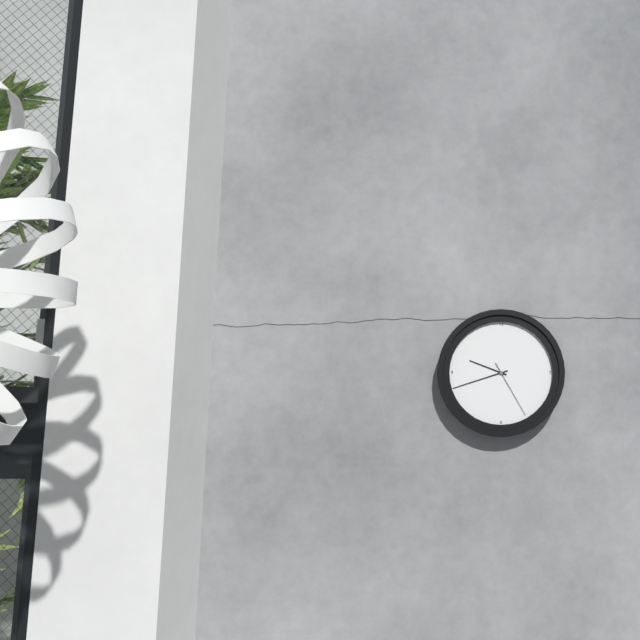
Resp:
9:42:25
